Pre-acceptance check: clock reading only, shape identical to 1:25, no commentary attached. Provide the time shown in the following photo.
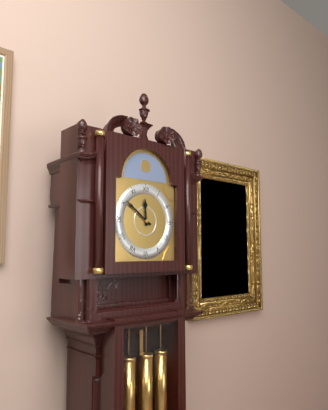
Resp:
11:51
